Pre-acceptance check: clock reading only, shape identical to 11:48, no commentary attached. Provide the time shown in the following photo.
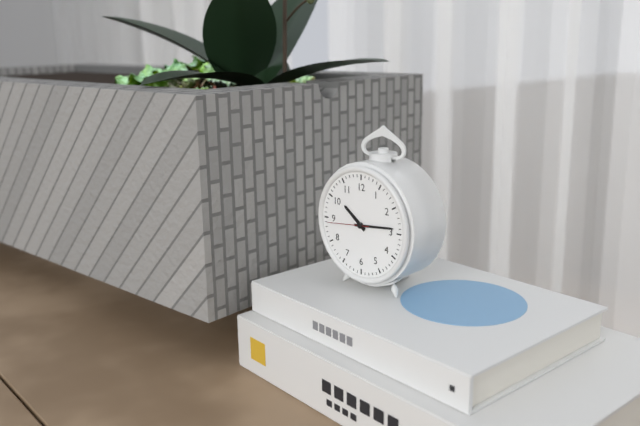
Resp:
10:14
